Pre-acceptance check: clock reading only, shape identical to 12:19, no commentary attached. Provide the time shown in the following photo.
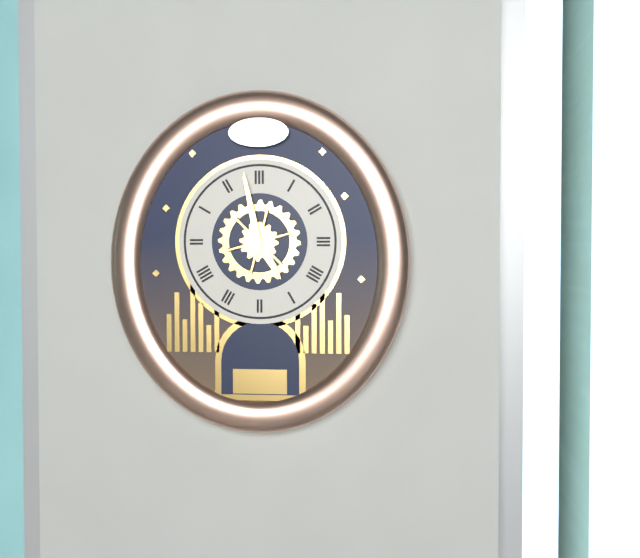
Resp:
4:58
